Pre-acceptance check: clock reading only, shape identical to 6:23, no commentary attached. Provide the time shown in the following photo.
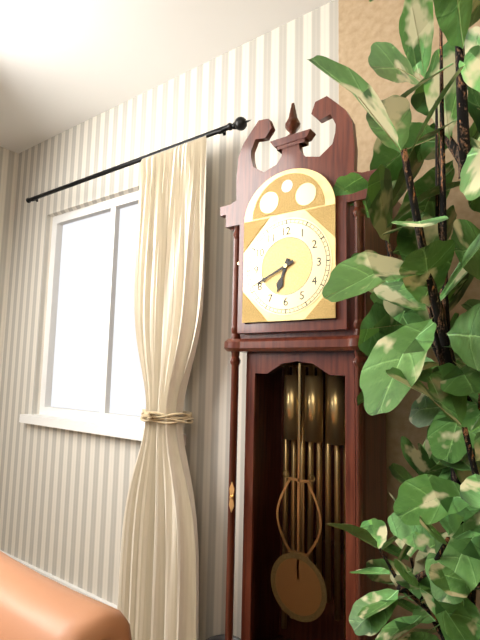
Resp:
6:41
